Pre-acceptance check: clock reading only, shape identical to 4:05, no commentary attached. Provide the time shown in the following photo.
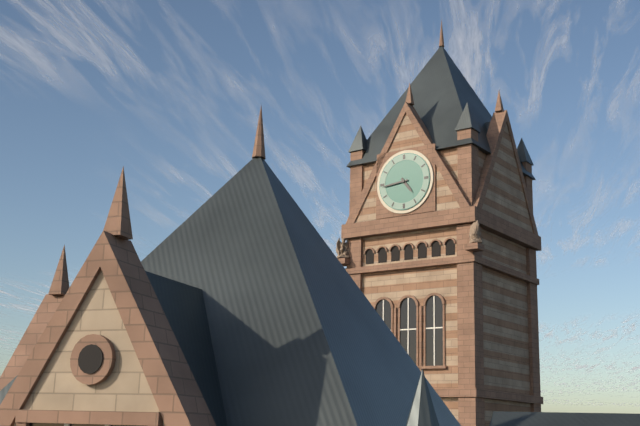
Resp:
4:44
